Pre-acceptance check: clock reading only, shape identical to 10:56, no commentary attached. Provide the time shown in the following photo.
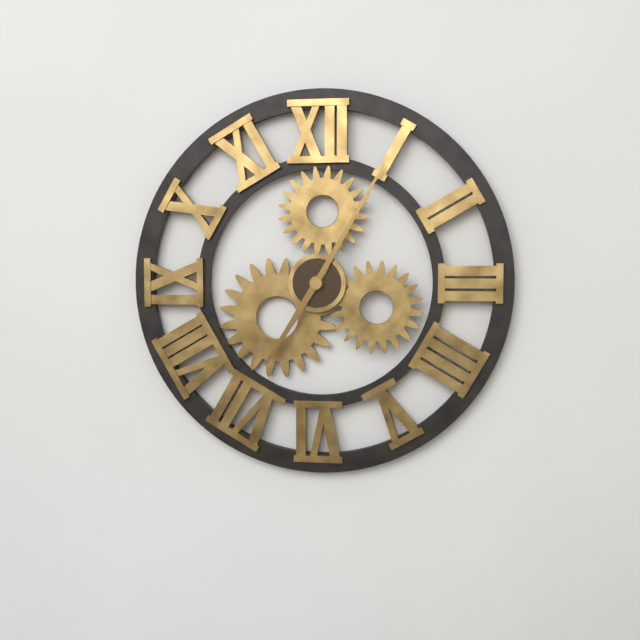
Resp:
7:05
